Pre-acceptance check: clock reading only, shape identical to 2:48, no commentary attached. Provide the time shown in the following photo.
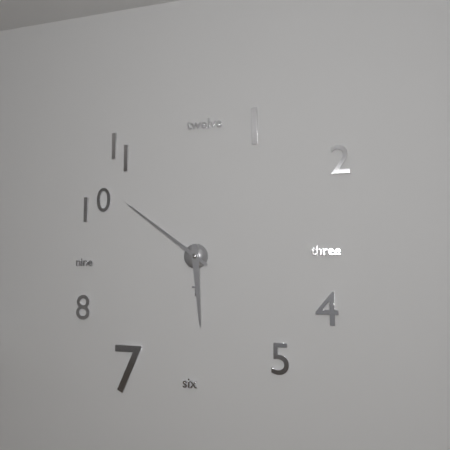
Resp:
5:51
